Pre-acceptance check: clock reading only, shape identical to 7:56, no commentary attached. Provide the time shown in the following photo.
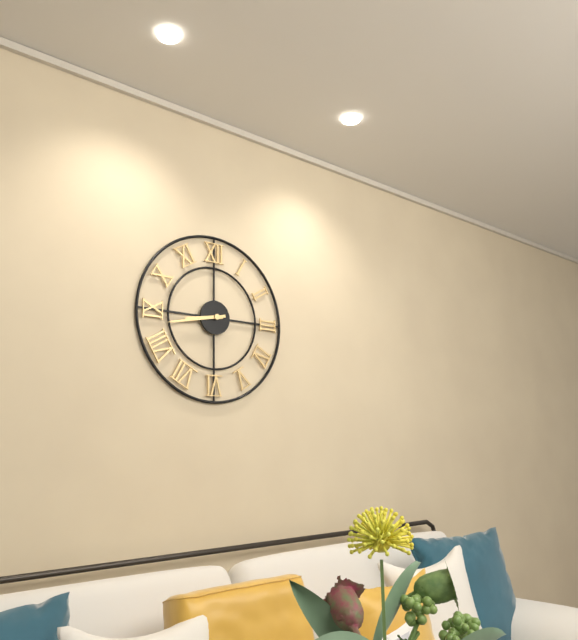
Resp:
8:43
